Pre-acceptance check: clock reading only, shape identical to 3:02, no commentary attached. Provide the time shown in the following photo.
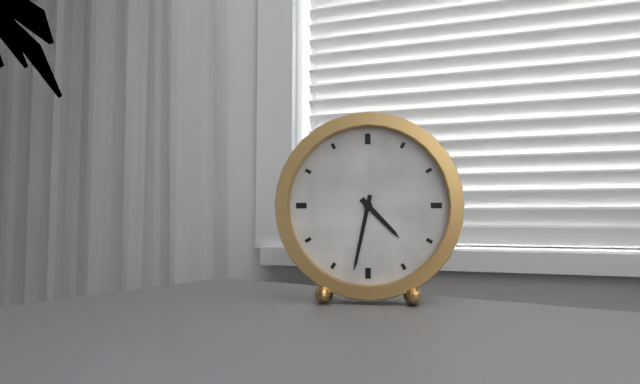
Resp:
4:32
